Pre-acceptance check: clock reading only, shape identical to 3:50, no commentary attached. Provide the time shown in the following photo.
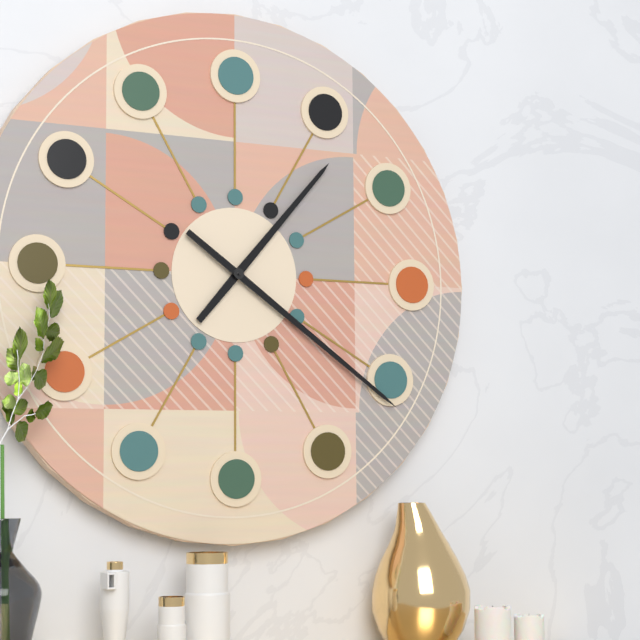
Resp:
1:21
